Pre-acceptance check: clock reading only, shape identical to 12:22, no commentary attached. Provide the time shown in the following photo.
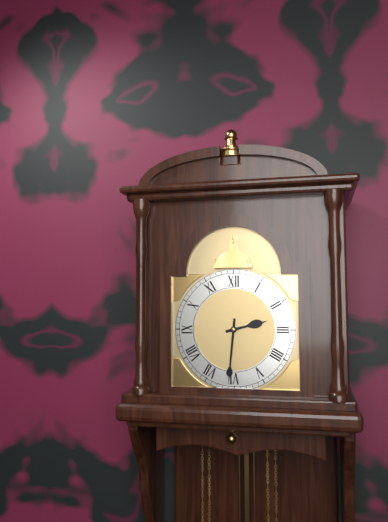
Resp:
2:31
